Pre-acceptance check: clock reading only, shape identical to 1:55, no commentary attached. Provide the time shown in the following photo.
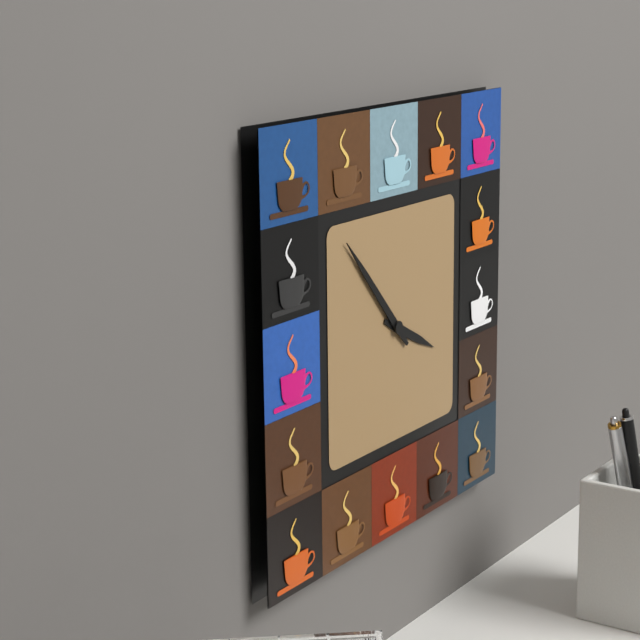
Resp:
3:53
